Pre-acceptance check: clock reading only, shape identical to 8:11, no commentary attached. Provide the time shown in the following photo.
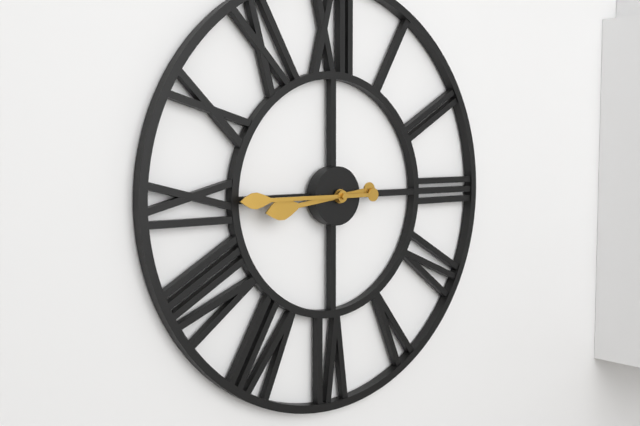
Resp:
8:45
